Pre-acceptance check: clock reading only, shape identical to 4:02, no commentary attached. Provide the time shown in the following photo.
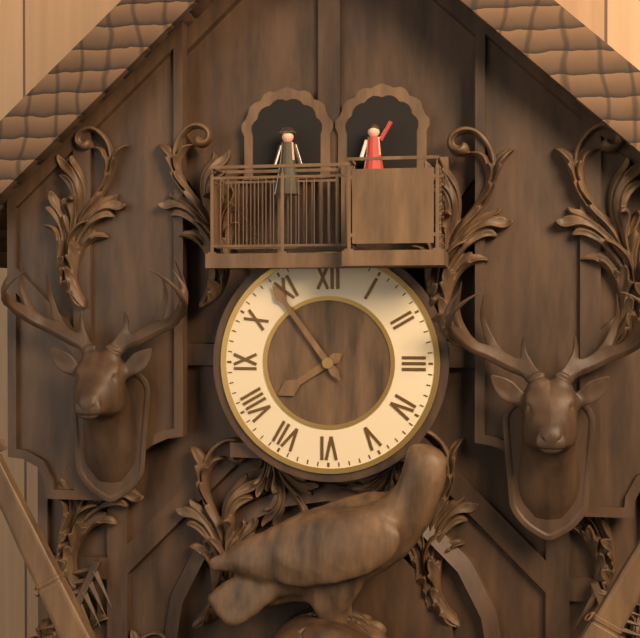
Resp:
7:54
